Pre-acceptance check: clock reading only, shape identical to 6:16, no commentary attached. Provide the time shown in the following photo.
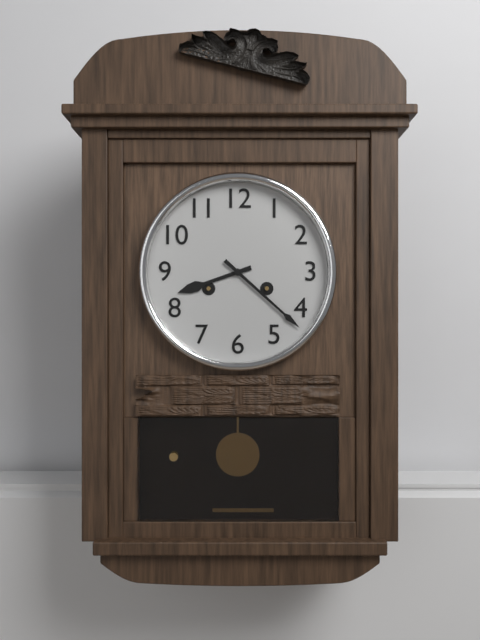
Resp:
8:22
